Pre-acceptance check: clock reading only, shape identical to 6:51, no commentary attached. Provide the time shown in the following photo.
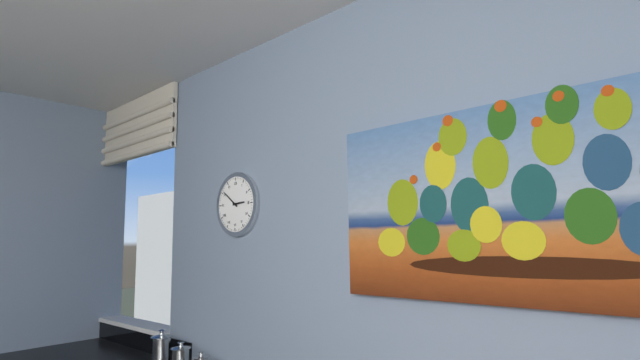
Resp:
2:51
